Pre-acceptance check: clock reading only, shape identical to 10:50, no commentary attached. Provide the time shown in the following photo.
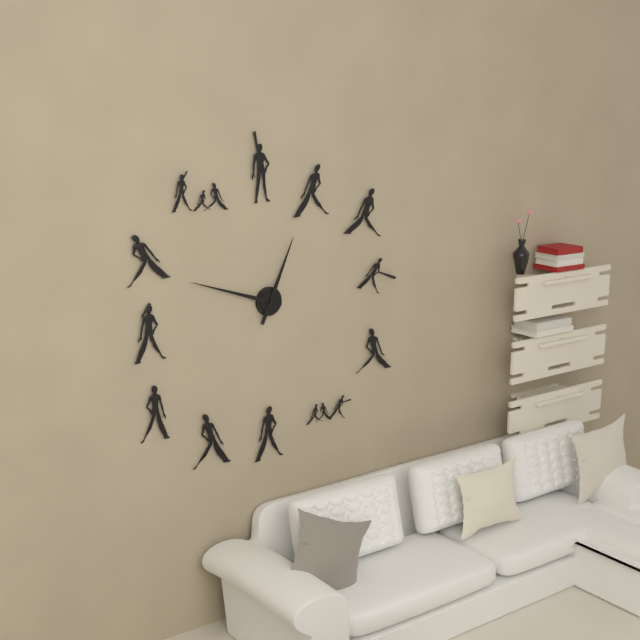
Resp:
12:48
